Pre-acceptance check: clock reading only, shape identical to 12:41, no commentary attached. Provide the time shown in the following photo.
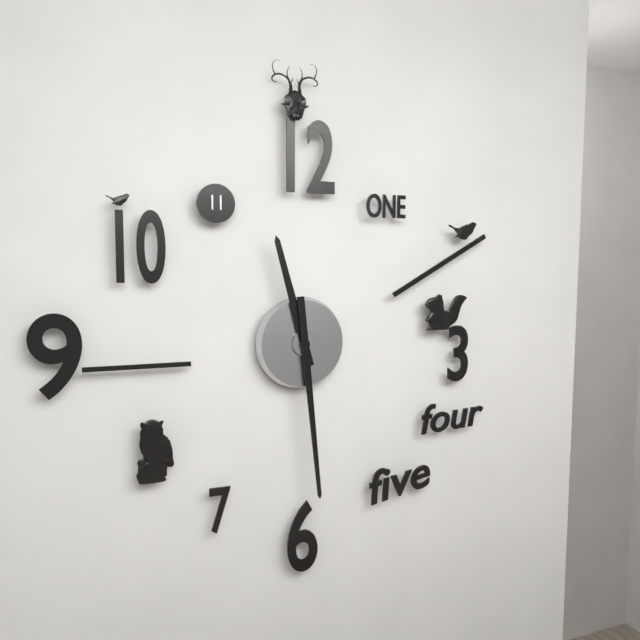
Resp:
11:29
